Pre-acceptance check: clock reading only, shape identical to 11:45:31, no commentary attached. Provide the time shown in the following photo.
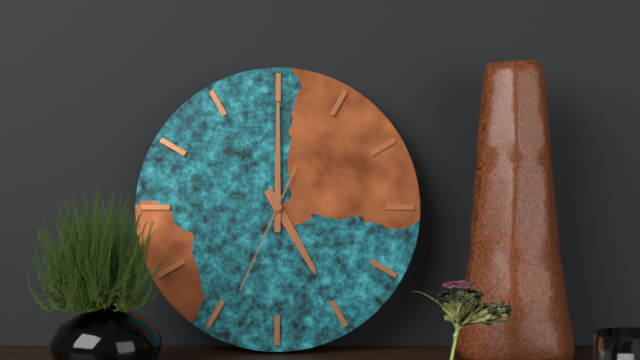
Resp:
5:00:34
